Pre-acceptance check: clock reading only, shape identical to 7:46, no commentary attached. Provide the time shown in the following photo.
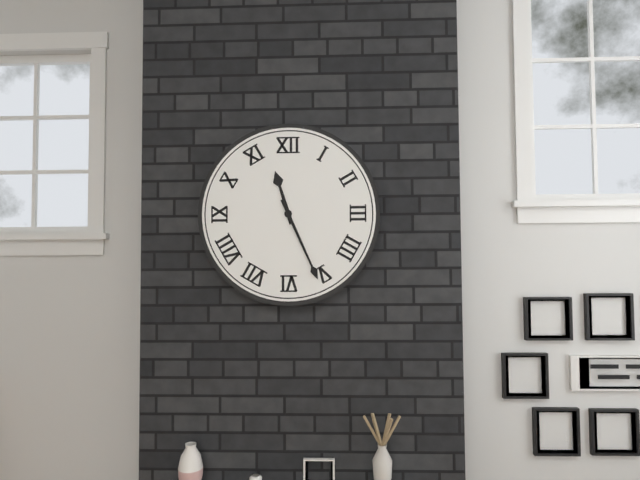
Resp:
11:26
